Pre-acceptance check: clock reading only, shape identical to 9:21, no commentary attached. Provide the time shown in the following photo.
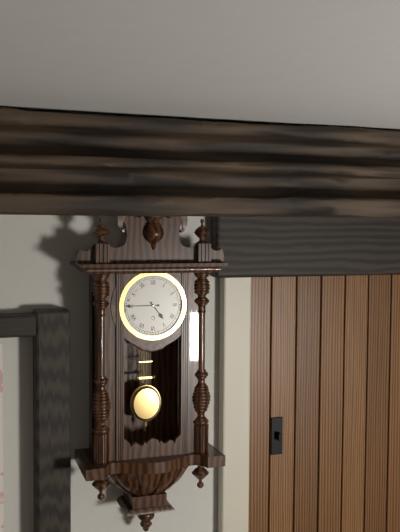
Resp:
4:45
